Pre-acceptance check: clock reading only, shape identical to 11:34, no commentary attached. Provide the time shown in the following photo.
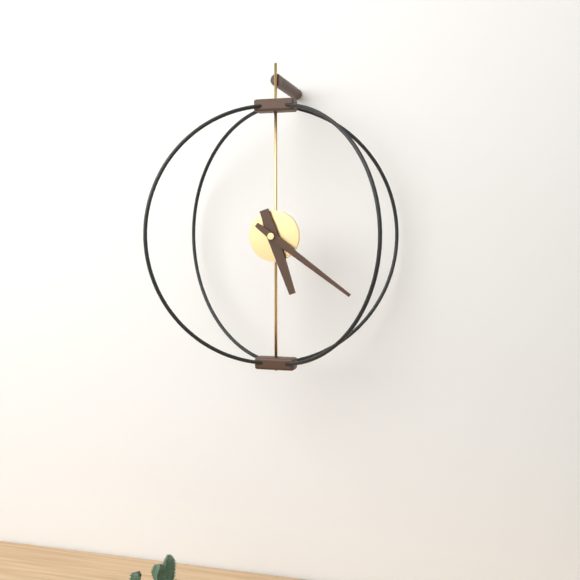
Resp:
5:21
